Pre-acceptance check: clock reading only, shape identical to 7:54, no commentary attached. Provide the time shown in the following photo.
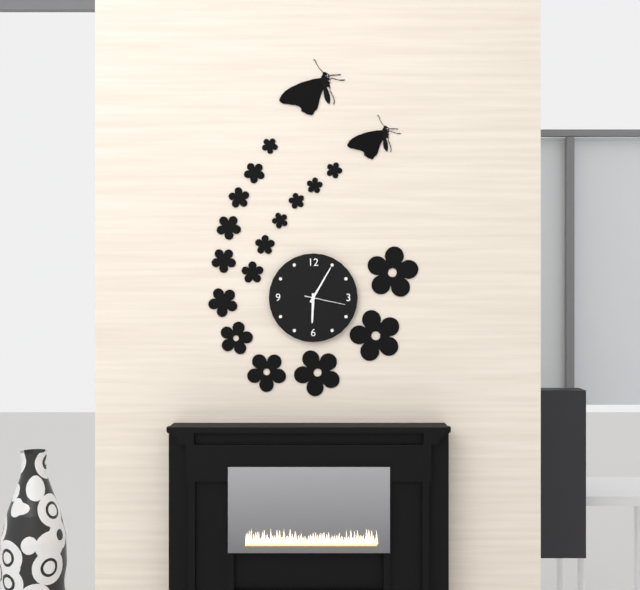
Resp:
6:05
